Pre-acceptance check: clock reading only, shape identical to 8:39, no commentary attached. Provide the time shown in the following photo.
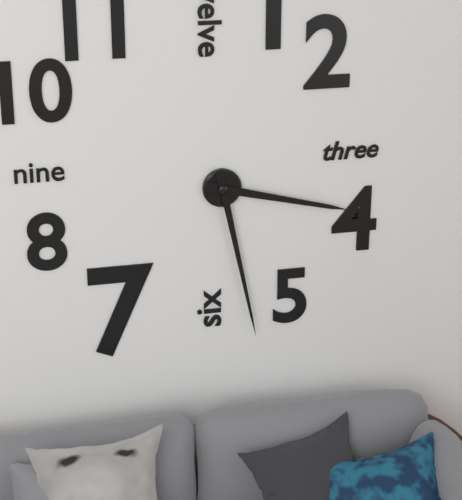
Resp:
3:28
